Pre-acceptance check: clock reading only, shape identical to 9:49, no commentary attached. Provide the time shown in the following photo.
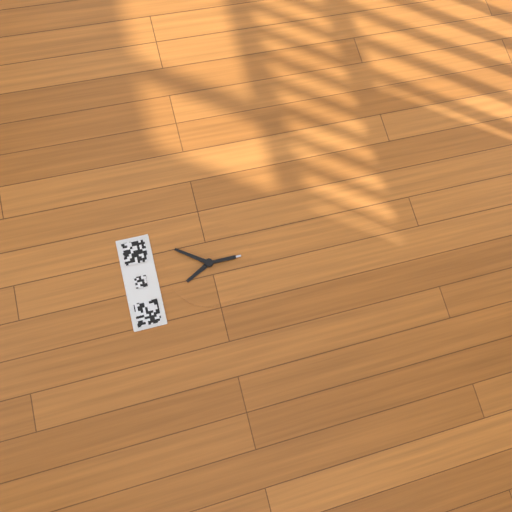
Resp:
11:06
